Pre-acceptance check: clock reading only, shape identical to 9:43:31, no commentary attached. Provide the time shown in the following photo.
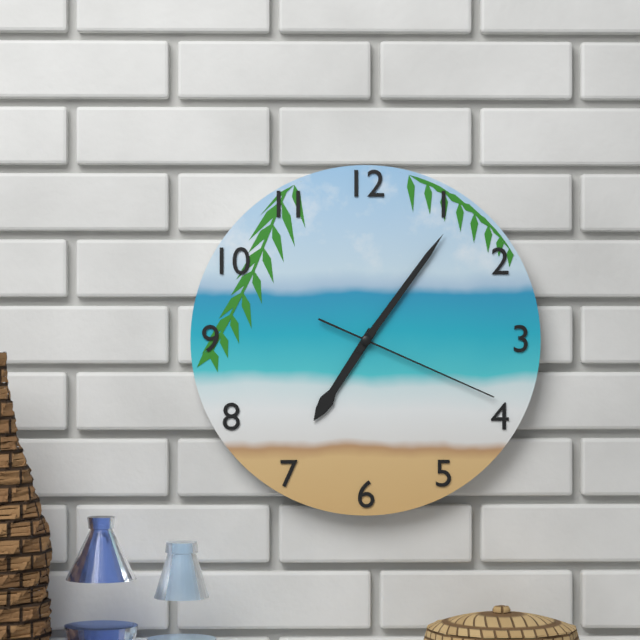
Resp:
7:06:19
